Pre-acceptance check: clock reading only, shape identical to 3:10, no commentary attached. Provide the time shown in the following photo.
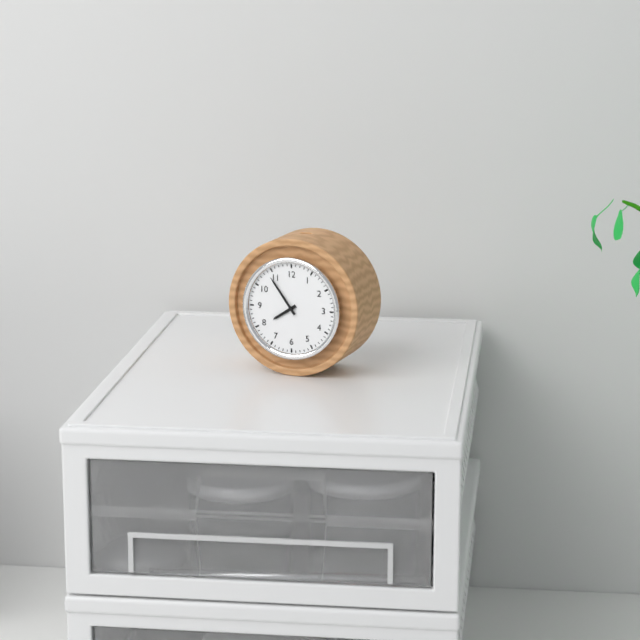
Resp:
7:54
